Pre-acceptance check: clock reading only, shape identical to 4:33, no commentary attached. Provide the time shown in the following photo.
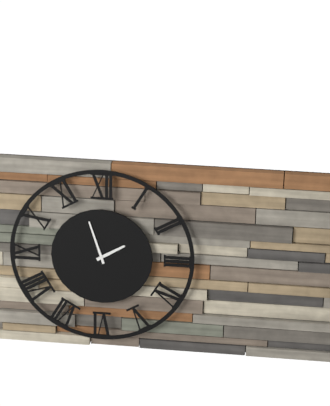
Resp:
1:57
